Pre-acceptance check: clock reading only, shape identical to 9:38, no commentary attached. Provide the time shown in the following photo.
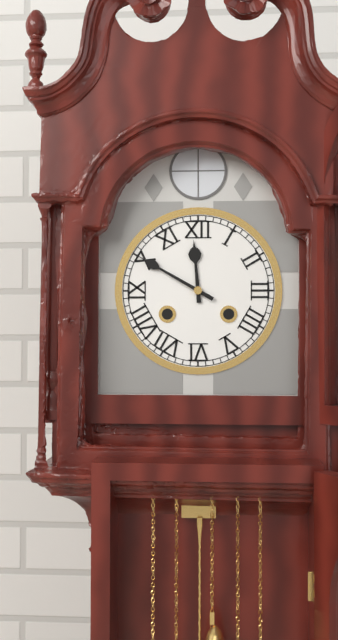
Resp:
11:50
